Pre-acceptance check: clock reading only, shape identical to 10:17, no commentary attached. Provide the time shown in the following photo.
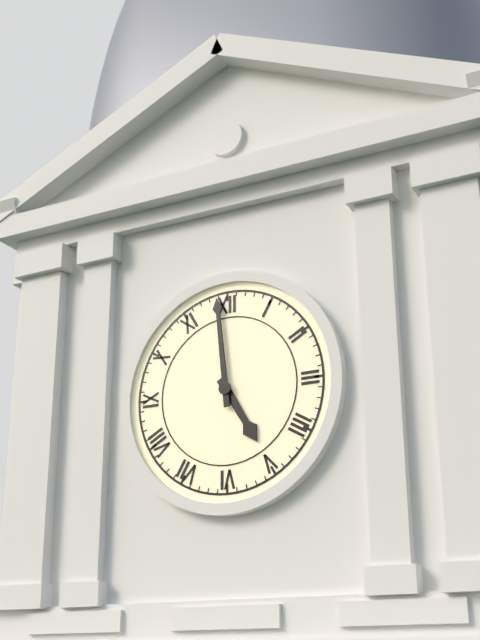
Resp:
4:59
